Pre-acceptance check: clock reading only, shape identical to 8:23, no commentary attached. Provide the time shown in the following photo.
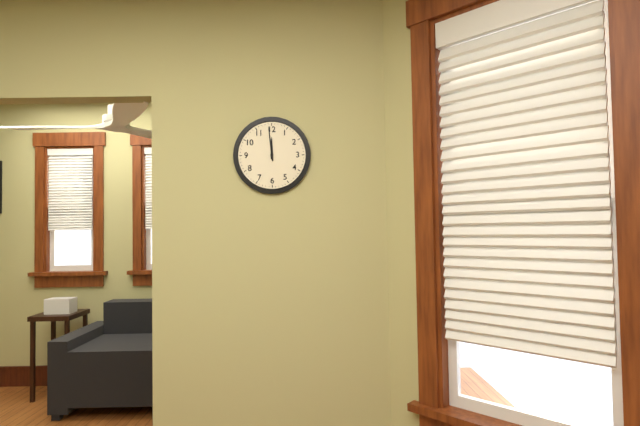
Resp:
11:59
